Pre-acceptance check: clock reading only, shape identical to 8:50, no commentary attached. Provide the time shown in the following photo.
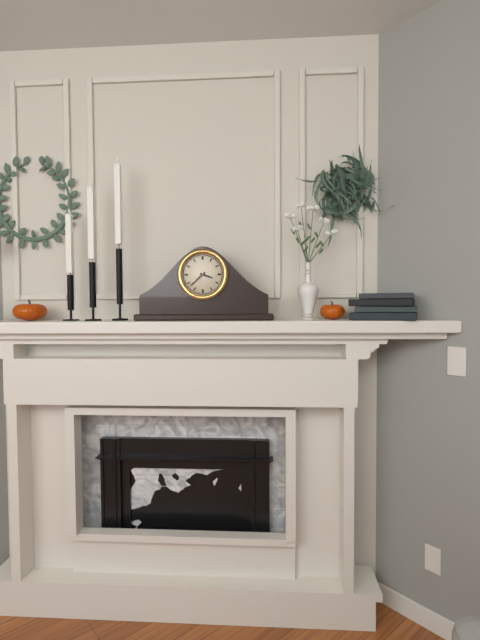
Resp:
3:38
